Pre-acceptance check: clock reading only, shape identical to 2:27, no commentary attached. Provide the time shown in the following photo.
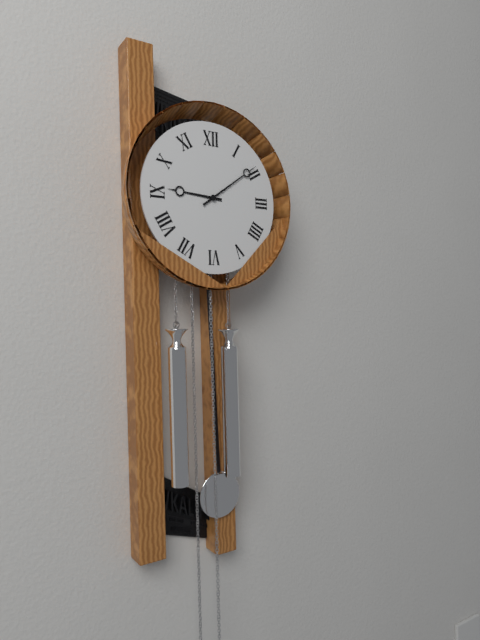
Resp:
9:09
